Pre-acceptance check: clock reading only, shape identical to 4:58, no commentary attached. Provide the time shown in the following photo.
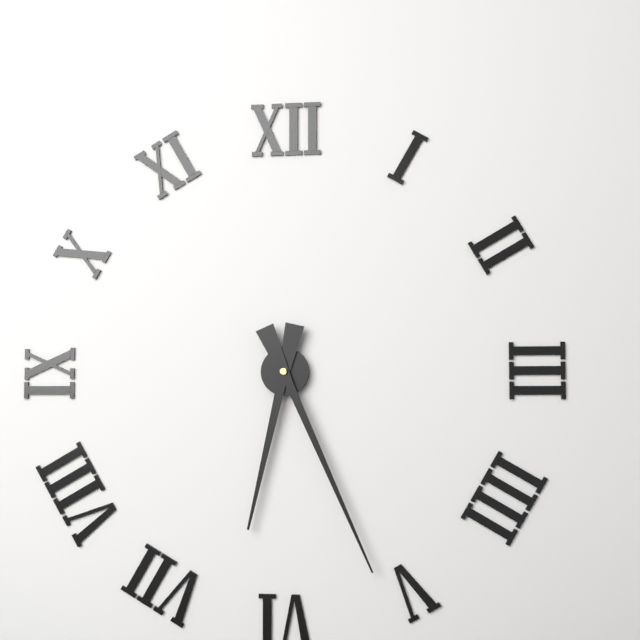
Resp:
6:26
